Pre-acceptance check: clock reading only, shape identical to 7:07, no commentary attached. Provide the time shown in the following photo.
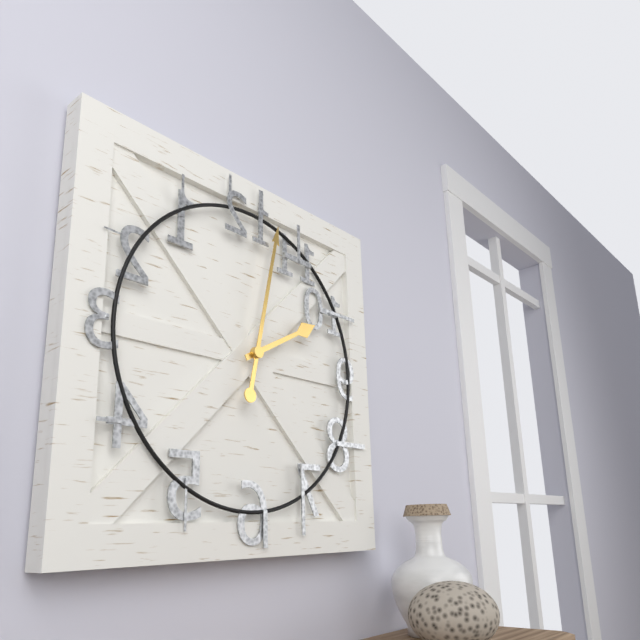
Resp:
2:02
